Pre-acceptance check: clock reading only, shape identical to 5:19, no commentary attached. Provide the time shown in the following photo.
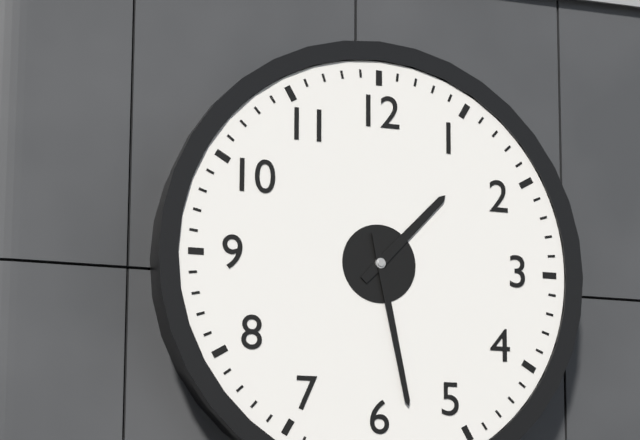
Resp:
1:28
